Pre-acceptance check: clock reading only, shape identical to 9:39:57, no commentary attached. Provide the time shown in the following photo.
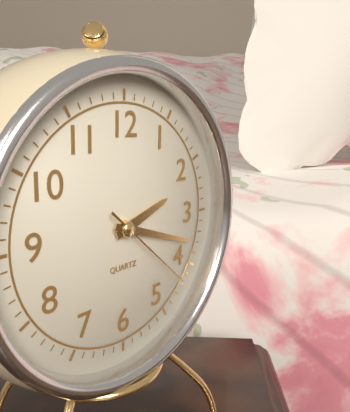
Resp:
2:18:22
